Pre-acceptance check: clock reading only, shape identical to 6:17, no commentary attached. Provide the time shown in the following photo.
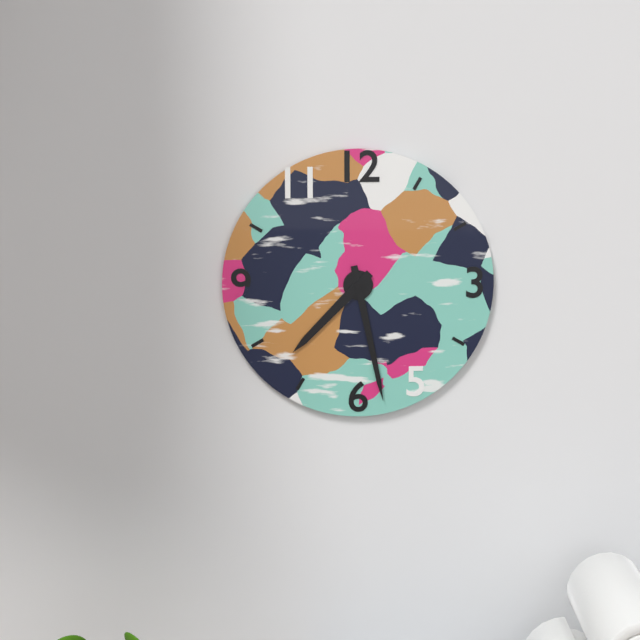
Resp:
7:28
